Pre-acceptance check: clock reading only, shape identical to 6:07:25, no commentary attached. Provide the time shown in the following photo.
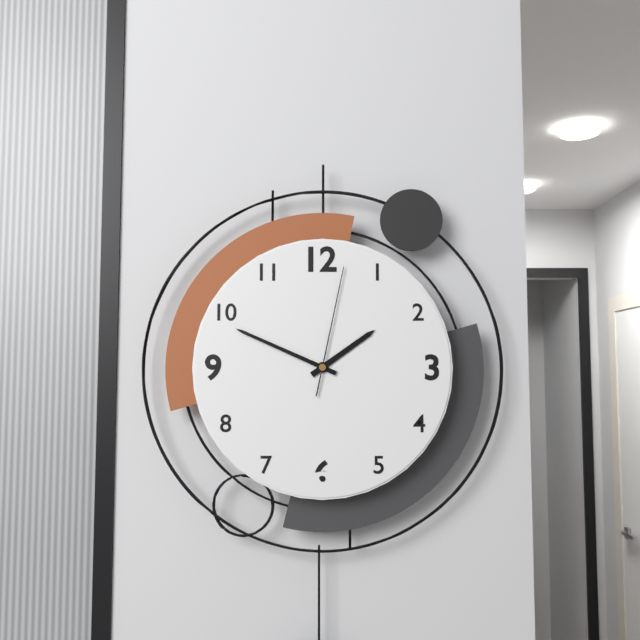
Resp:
1:49:02
